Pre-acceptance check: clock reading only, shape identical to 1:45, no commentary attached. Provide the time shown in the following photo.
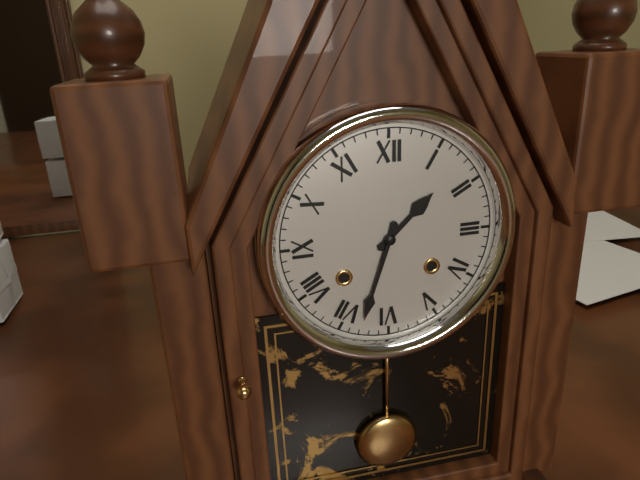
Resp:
1:33
